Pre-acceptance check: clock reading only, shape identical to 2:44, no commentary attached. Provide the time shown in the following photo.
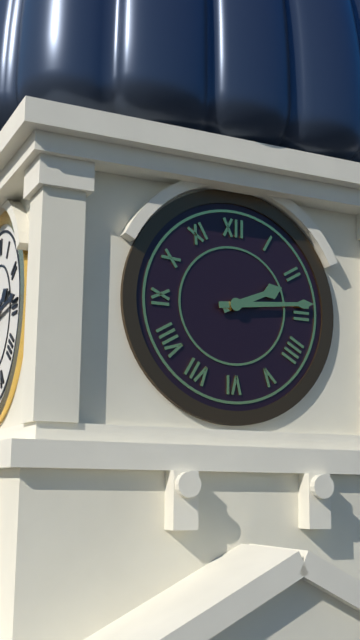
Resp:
2:14
